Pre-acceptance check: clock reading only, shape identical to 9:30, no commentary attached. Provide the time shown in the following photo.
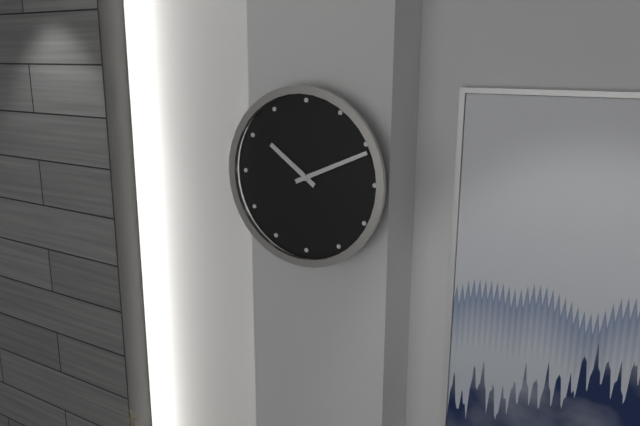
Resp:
10:11
